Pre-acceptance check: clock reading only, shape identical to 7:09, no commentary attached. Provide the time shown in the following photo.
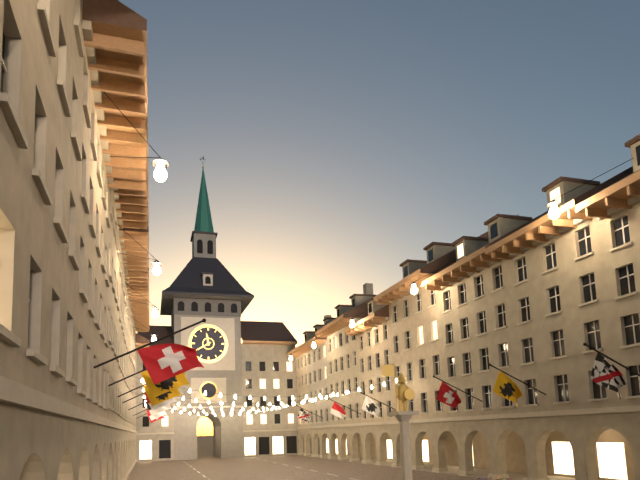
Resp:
11:40
